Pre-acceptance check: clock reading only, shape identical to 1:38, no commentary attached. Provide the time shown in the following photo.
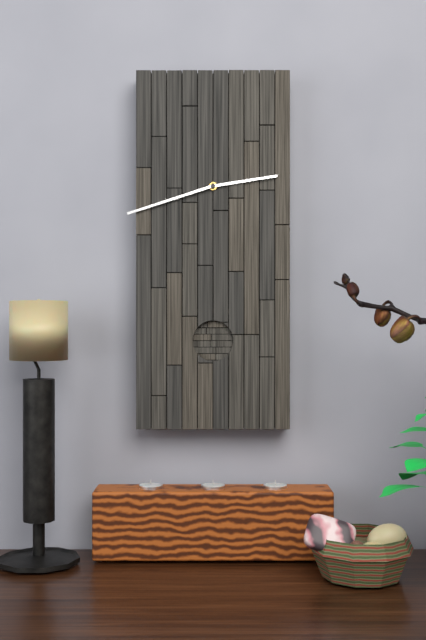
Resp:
2:42
